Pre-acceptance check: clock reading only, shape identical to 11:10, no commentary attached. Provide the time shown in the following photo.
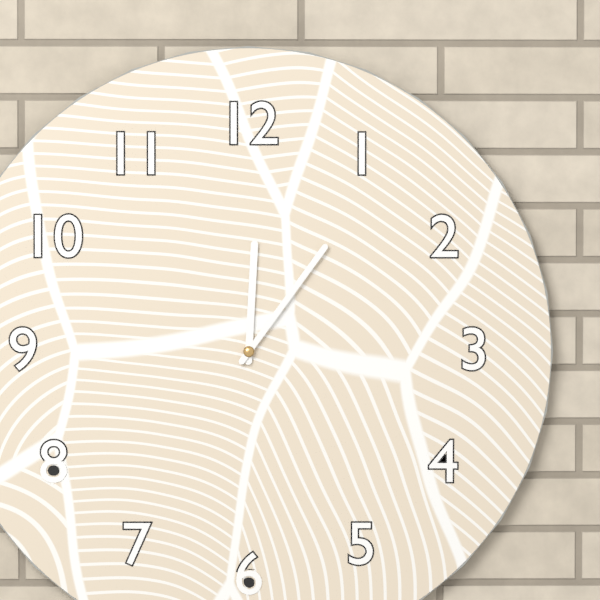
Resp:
12:06
